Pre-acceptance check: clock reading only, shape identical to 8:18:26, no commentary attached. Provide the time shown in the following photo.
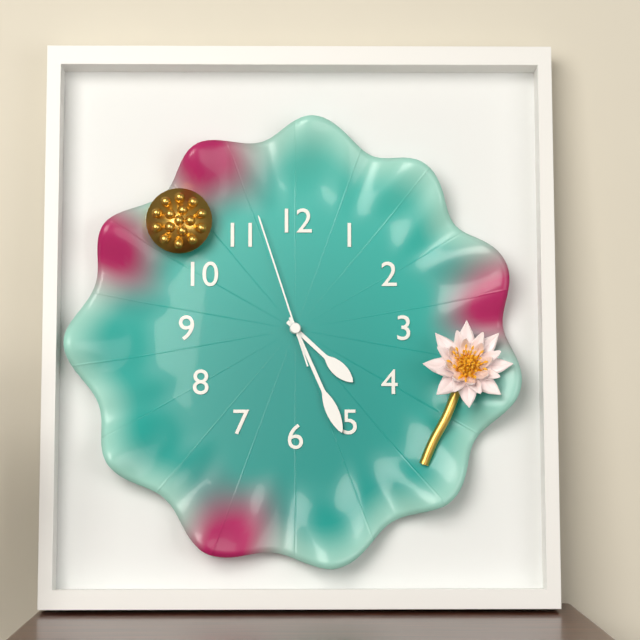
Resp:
4:26:57
